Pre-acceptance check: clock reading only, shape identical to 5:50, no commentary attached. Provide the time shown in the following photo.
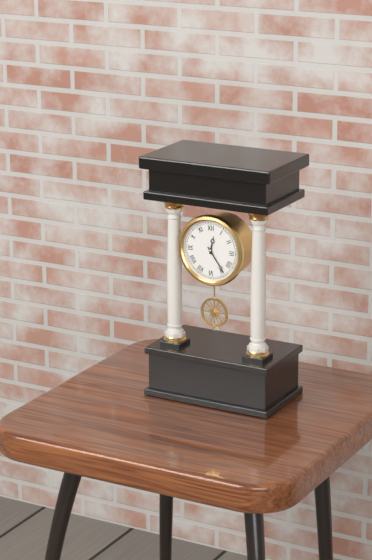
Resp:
12:24
